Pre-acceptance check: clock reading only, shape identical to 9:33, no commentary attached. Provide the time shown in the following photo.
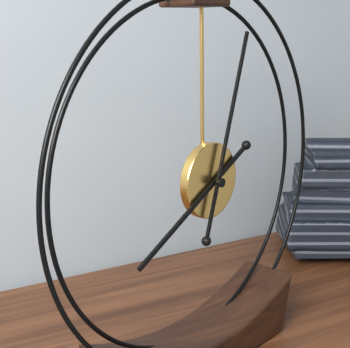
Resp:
8:03
